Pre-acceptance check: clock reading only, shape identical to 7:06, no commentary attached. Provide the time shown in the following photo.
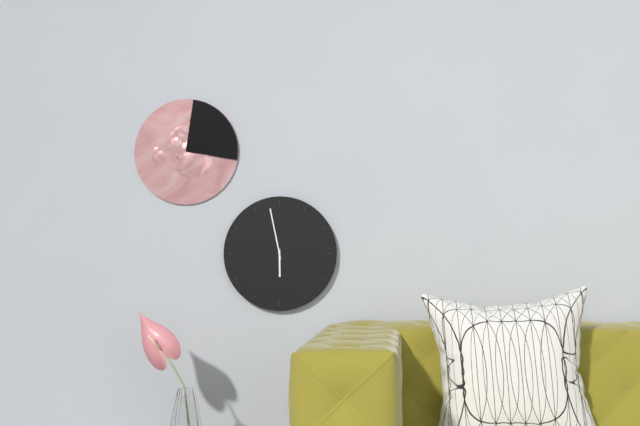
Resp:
5:58
